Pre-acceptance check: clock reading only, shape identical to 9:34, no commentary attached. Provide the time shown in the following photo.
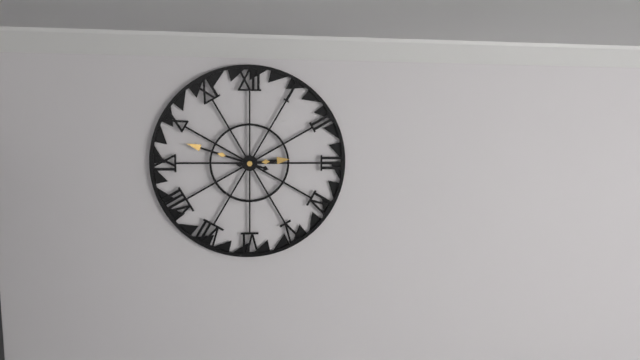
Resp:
2:48
